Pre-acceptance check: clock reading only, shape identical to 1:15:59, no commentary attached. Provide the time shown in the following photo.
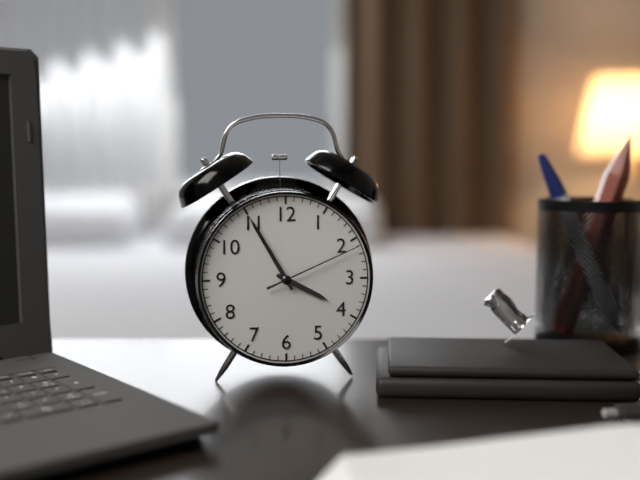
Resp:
3:55:11
